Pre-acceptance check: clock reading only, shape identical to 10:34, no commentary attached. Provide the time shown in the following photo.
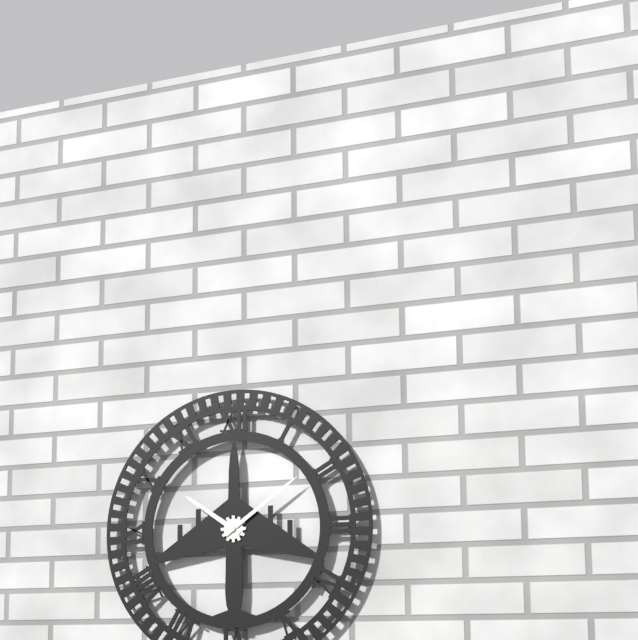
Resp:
10:09
